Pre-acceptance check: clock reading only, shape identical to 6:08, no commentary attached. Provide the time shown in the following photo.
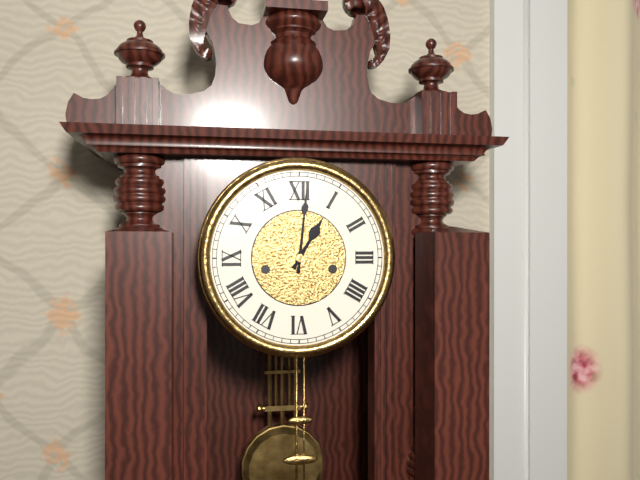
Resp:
1:01
